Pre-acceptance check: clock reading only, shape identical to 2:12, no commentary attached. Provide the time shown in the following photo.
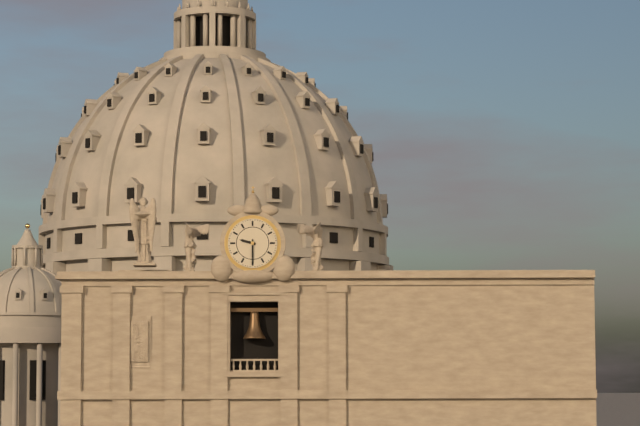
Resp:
9:30
